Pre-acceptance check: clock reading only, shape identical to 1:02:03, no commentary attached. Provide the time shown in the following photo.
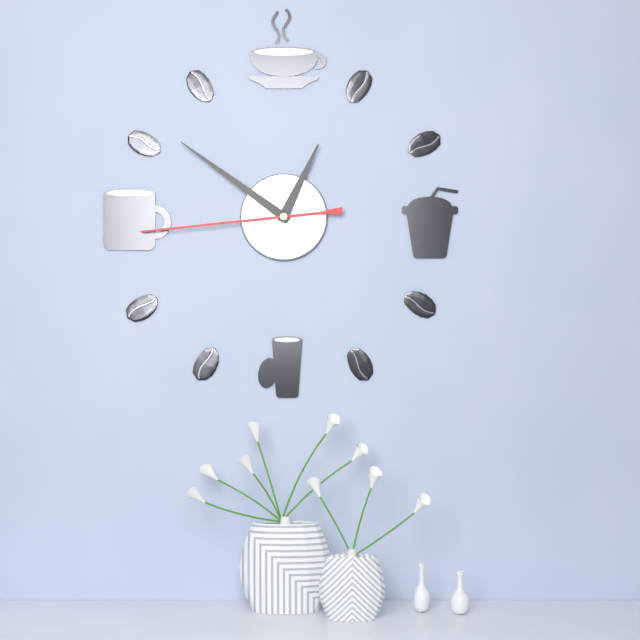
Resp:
12:51:44
